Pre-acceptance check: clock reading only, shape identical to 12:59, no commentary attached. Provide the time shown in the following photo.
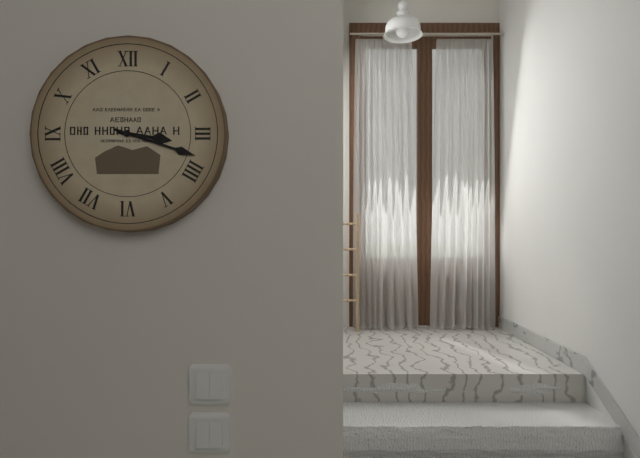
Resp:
3:18
